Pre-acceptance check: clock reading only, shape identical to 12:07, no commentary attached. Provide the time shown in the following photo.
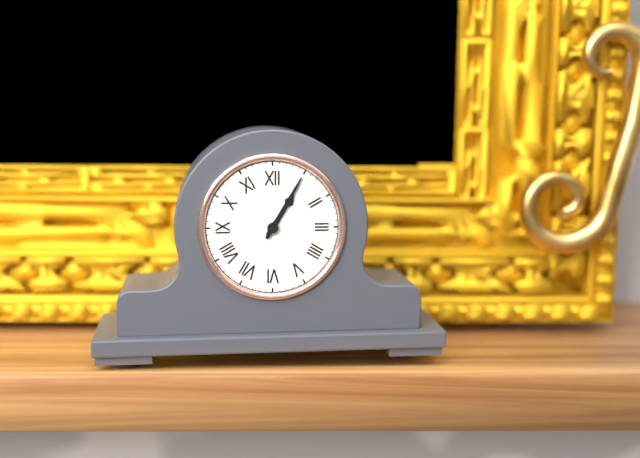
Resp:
1:05
